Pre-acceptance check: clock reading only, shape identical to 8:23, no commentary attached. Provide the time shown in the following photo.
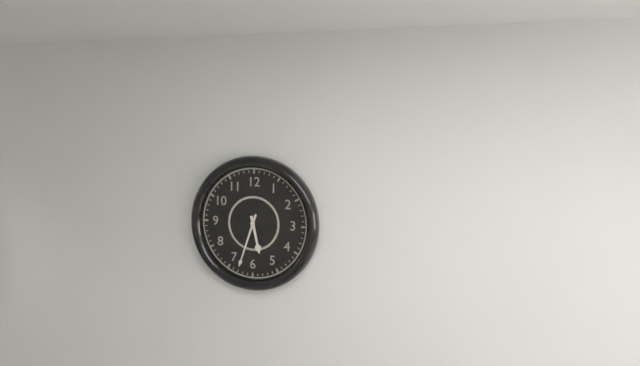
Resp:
5:33
